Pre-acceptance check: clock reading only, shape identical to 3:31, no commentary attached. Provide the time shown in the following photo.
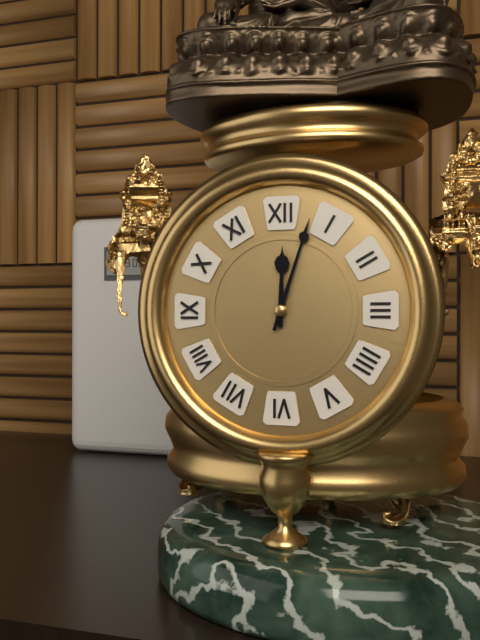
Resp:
12:03
